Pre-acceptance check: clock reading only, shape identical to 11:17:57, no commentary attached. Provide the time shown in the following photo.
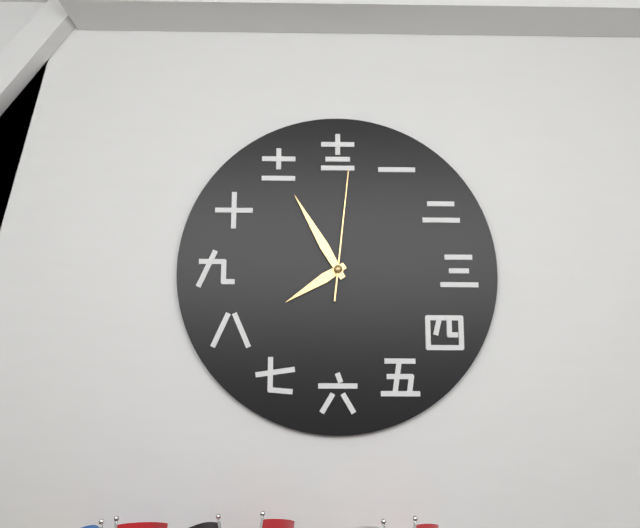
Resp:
7:55:01
